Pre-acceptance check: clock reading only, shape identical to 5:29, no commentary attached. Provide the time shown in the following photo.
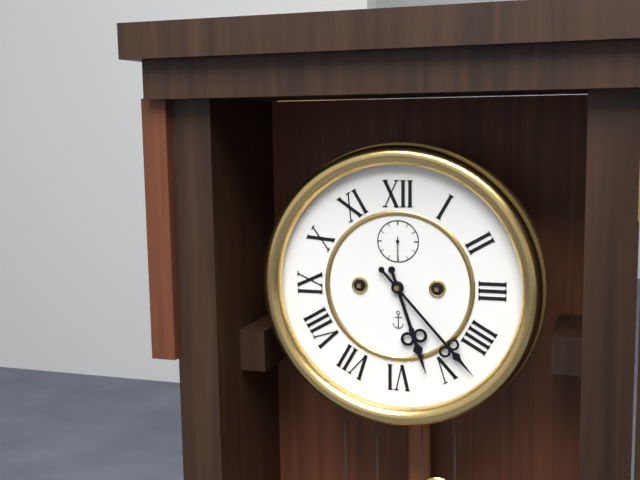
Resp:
5:23
